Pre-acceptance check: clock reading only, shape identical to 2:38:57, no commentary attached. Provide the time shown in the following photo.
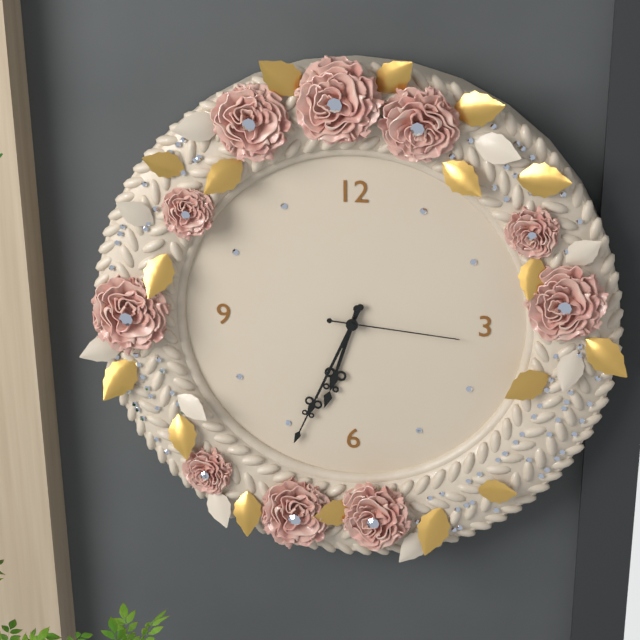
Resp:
6:34:16
